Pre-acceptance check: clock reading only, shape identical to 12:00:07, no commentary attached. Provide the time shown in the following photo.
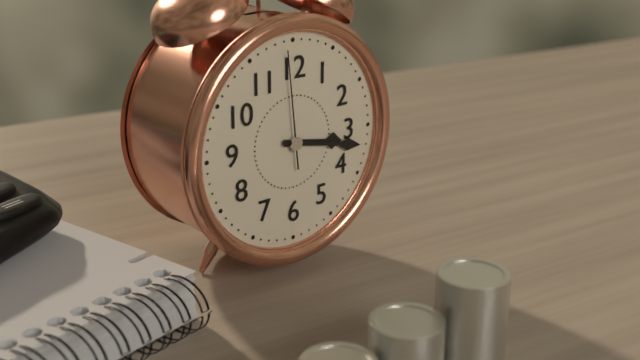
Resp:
3:17:59
